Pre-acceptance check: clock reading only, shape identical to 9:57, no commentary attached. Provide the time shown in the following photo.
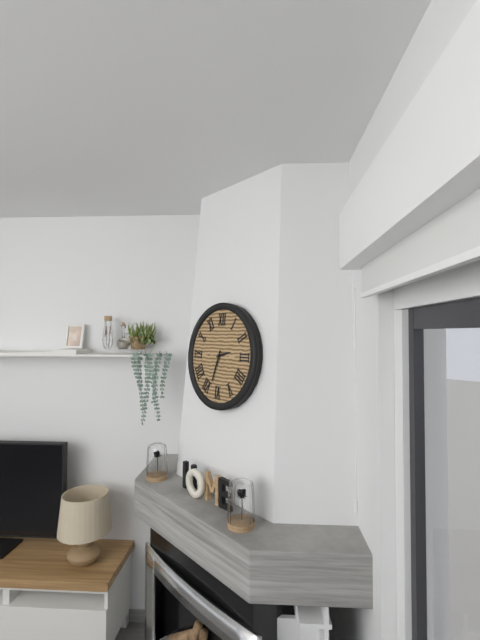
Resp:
2:33
